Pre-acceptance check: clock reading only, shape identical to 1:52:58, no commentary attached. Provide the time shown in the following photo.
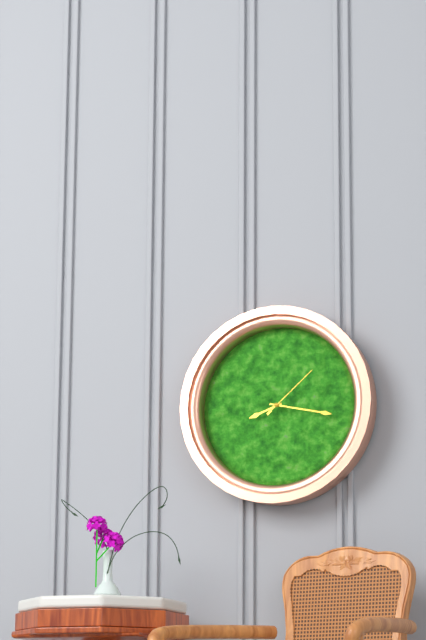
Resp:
8:17:08
